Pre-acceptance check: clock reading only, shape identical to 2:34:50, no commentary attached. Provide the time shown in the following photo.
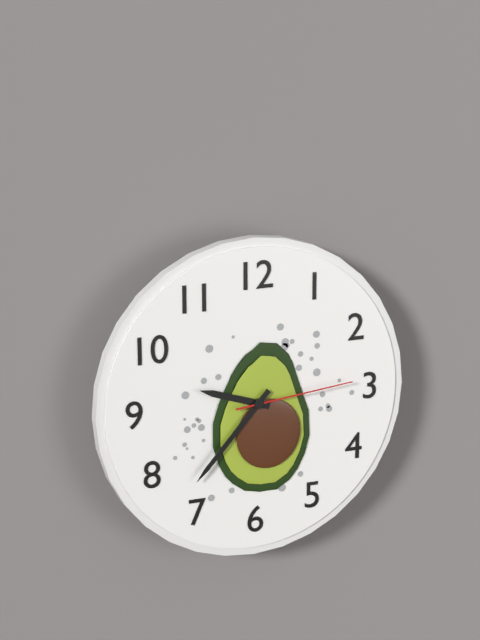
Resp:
9:37:14
